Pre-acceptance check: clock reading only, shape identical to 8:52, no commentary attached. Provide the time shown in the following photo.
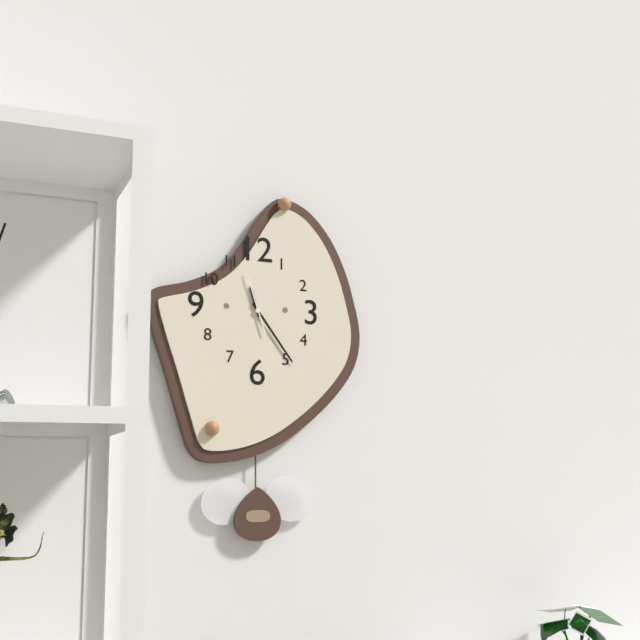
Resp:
11:24
